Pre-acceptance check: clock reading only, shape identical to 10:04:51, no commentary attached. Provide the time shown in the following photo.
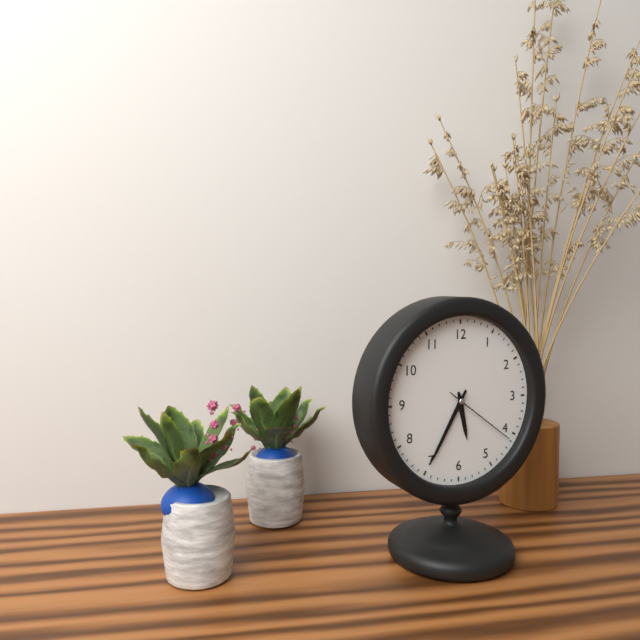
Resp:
5:35:21
